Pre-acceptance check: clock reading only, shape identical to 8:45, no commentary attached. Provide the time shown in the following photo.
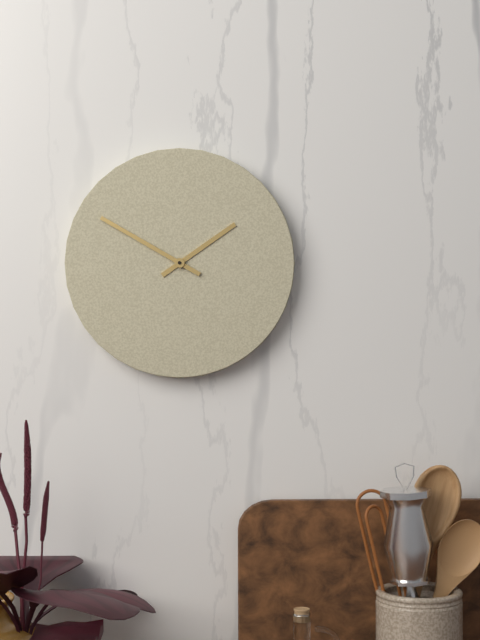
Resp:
1:50
